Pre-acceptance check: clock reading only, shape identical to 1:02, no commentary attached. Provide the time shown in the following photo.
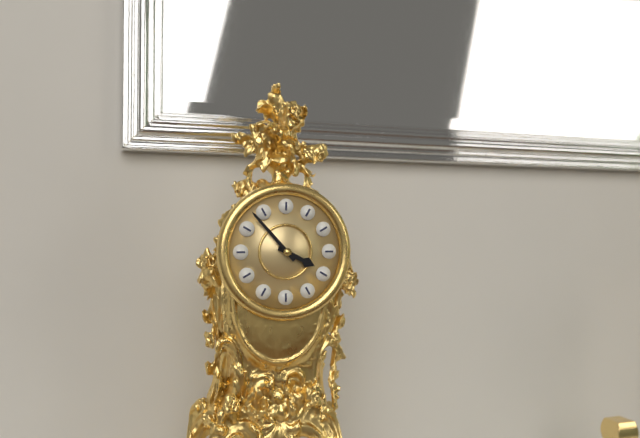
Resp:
3:53
